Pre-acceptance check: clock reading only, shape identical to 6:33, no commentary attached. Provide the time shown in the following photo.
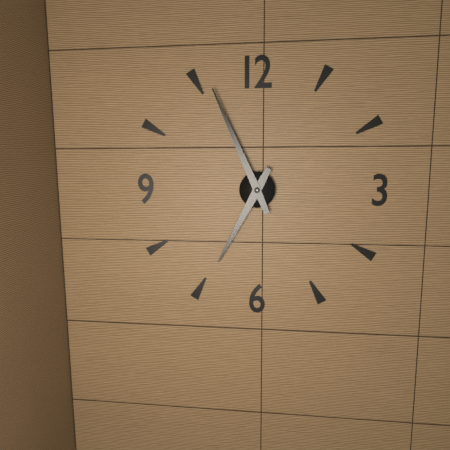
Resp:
6:56
